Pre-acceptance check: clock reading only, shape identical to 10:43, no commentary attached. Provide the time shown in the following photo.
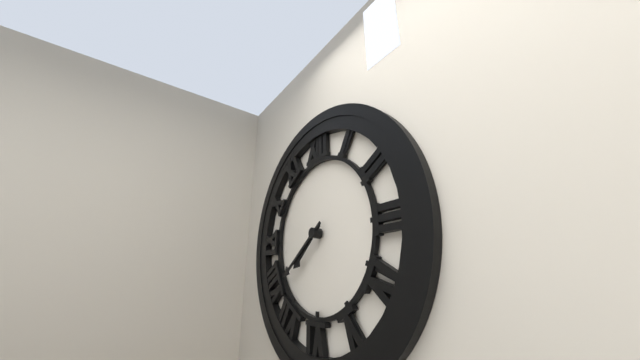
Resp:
7:39
